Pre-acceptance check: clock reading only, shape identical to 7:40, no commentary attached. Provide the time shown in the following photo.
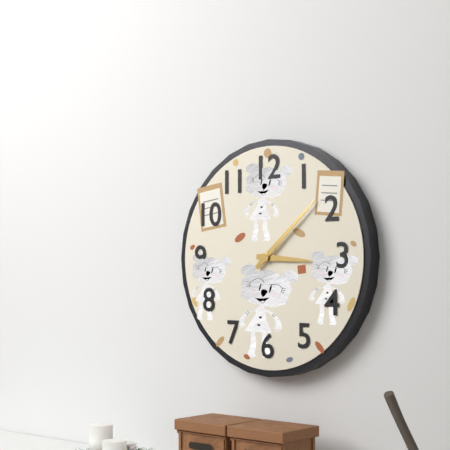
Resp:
3:08
